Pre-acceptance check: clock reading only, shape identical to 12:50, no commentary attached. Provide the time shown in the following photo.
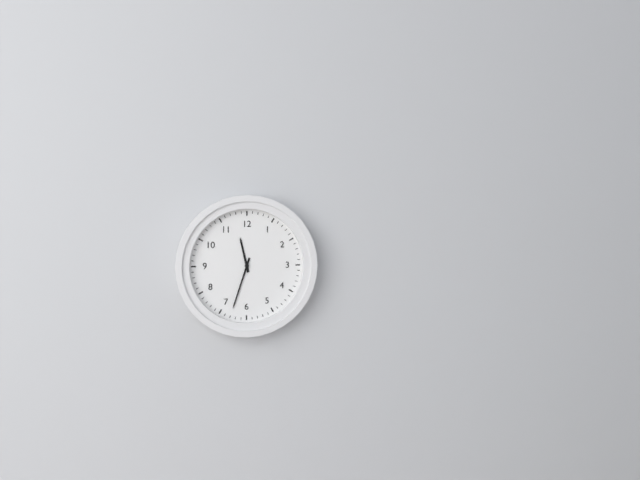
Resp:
11:33
